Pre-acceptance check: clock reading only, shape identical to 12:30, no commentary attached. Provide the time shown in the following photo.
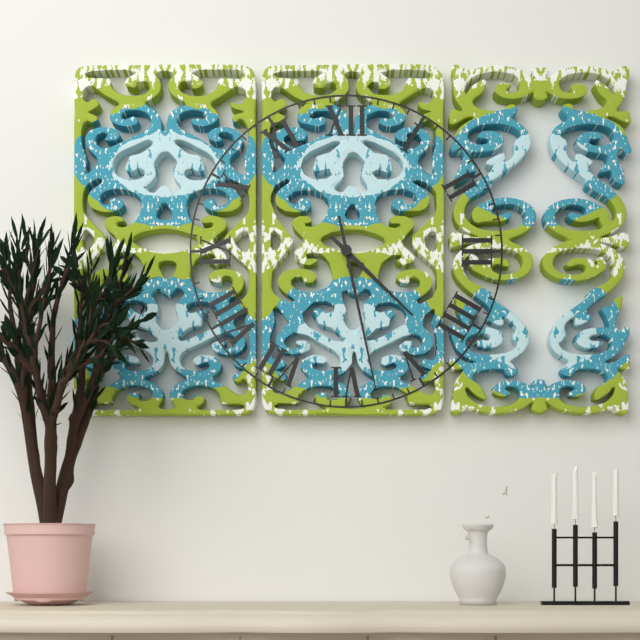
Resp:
4:28
